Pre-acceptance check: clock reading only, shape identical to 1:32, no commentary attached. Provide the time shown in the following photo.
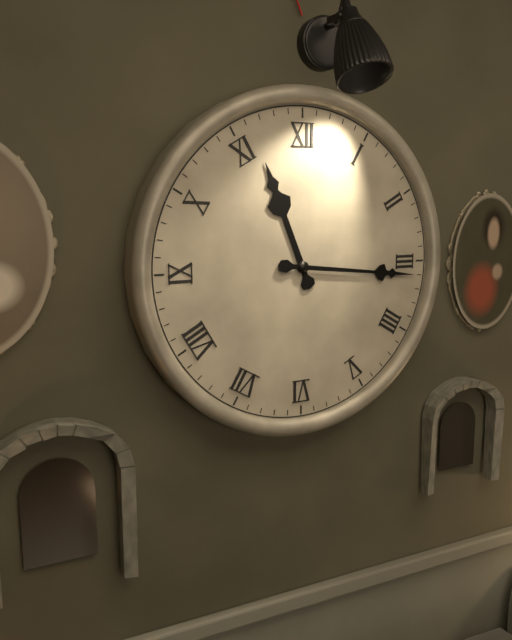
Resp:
11:16
